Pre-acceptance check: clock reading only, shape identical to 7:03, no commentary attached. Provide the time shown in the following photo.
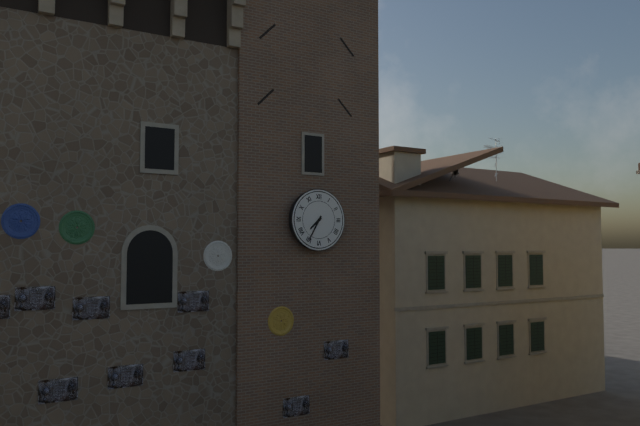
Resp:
7:35
